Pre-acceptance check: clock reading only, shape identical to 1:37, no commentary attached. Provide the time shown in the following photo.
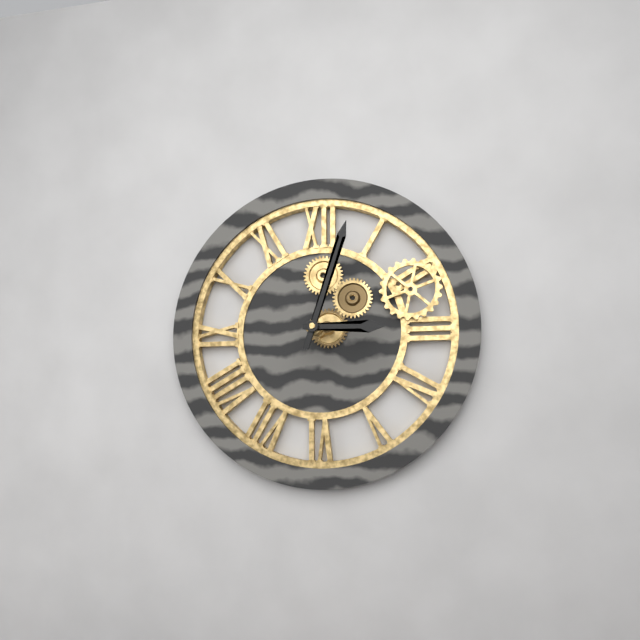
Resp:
3:03
